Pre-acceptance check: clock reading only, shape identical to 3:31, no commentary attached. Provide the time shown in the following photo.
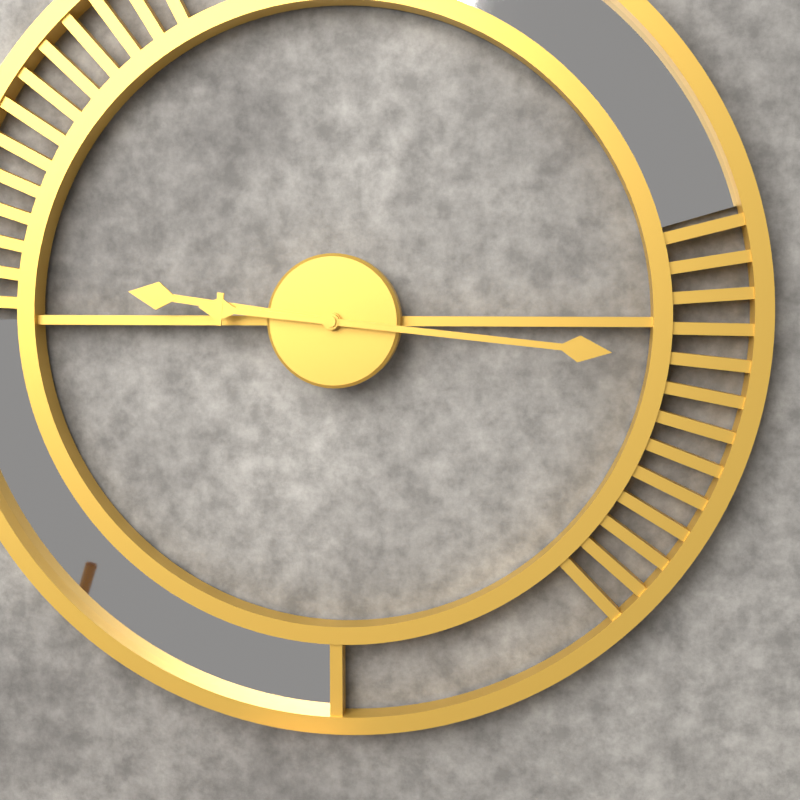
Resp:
9:16
